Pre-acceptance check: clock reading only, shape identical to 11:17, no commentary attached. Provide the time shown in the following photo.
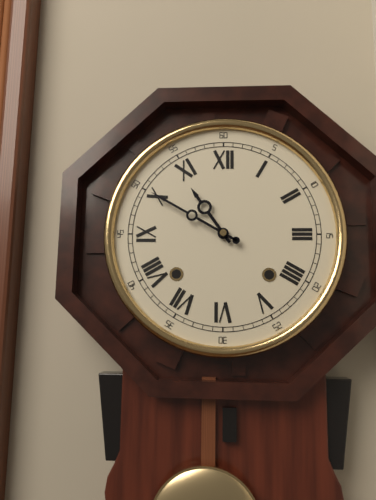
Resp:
10:50
